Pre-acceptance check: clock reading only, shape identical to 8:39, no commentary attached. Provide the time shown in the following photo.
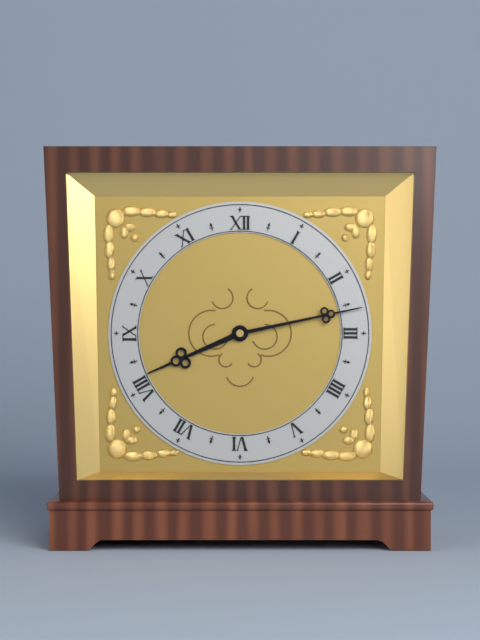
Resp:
8:13
